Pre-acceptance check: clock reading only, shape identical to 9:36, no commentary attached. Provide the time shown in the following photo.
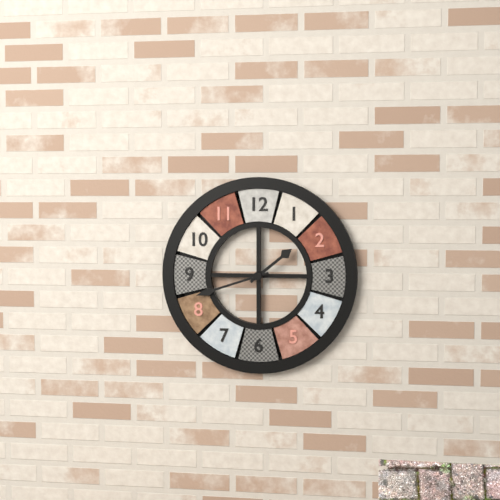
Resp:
1:42
